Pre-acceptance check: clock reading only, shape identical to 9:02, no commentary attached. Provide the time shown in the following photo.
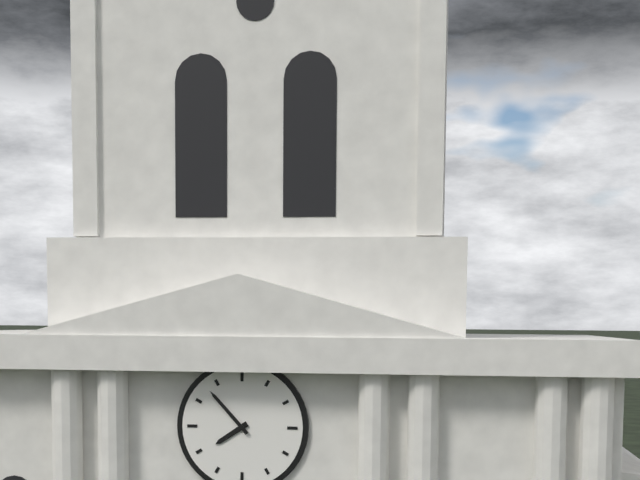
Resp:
7:53
